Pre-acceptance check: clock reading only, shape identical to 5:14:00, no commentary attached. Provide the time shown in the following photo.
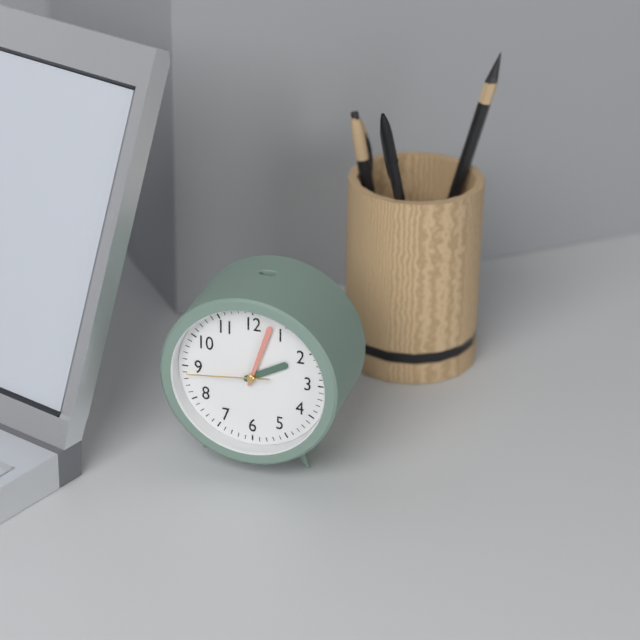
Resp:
2:03:44
